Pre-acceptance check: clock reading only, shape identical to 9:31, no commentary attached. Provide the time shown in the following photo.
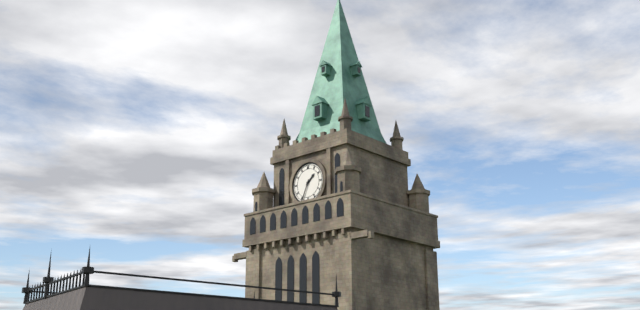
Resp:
1:34
